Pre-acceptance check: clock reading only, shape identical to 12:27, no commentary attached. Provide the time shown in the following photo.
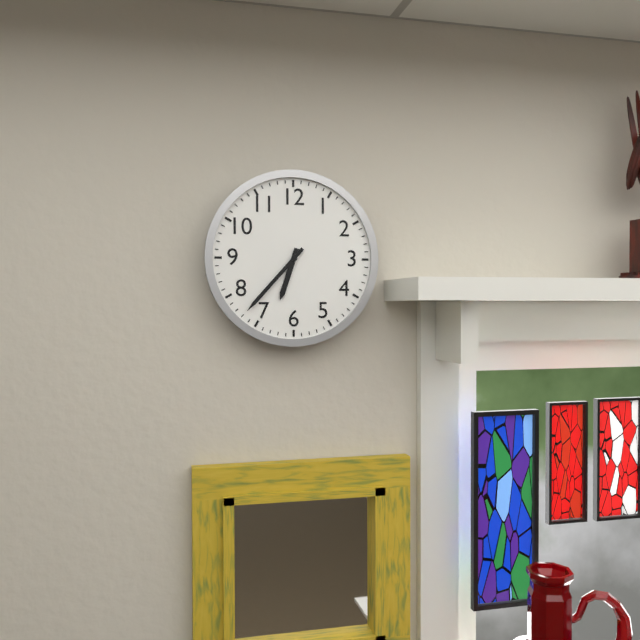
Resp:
6:37
